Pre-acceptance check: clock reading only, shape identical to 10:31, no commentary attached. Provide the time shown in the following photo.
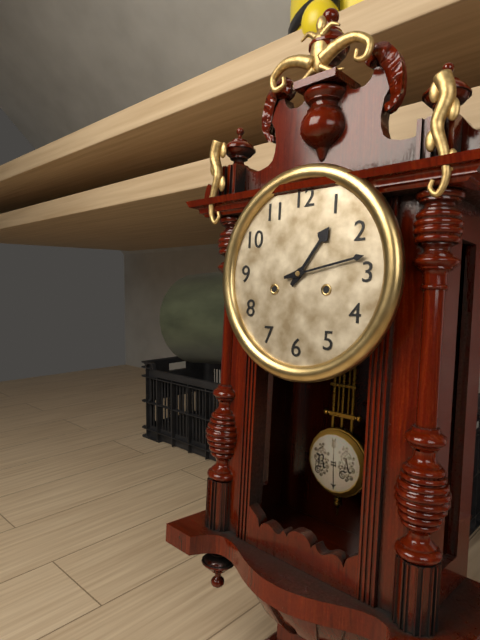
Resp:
1:13
